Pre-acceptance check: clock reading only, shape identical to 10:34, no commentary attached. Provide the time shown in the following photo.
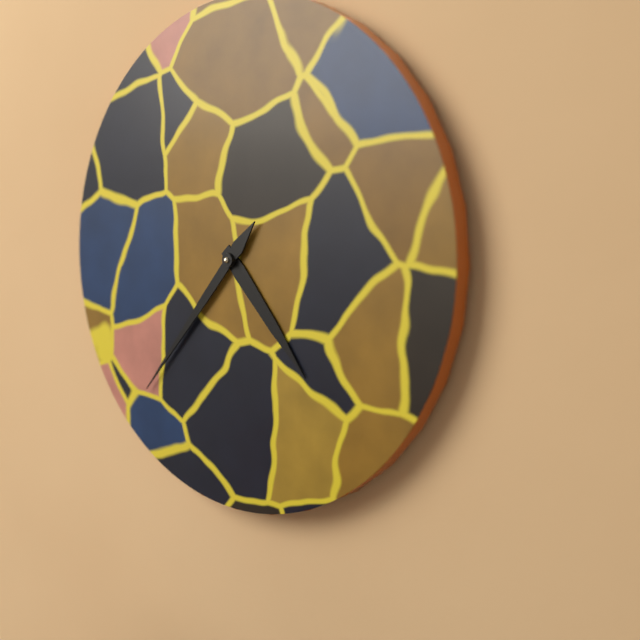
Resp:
4:37
